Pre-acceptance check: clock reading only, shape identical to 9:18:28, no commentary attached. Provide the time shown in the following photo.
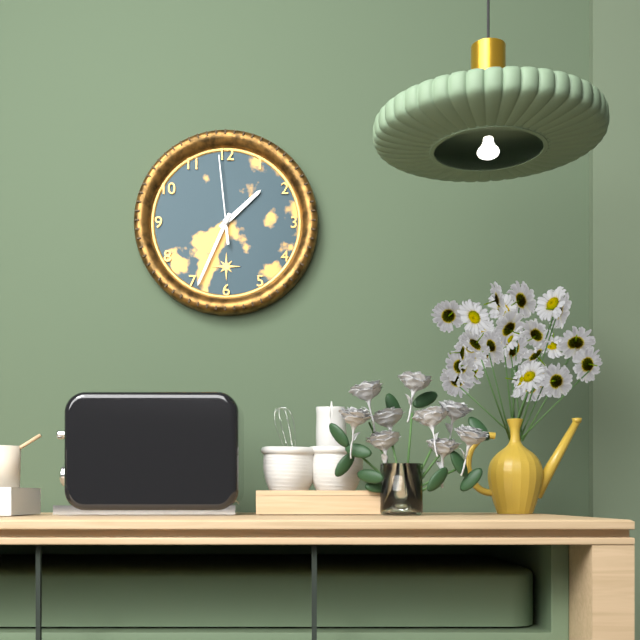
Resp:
1:34:59
